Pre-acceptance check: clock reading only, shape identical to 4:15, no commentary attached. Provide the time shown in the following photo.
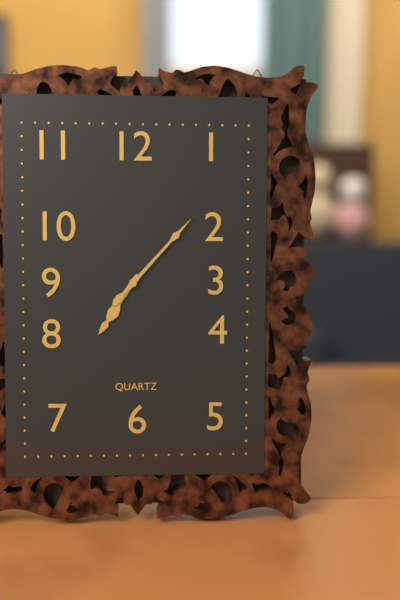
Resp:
7:07
